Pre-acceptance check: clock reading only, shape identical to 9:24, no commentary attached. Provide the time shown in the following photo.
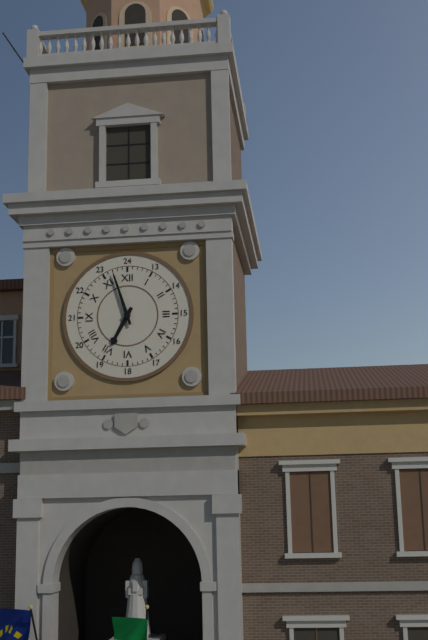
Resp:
6:57
